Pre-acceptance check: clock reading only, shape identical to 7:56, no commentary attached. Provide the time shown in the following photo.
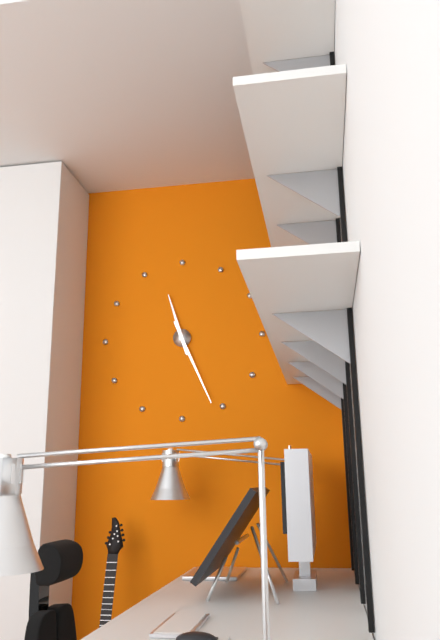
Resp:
11:26
